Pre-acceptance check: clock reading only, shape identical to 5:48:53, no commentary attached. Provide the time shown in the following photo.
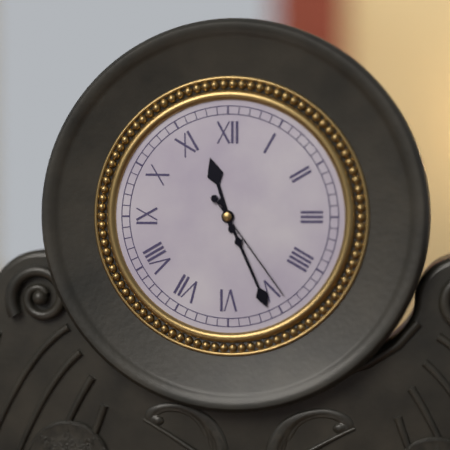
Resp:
11:26:24
